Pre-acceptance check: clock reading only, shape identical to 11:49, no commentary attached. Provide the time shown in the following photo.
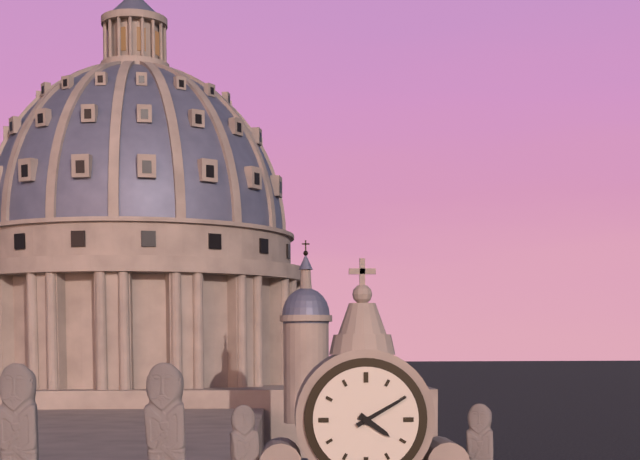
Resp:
4:10
